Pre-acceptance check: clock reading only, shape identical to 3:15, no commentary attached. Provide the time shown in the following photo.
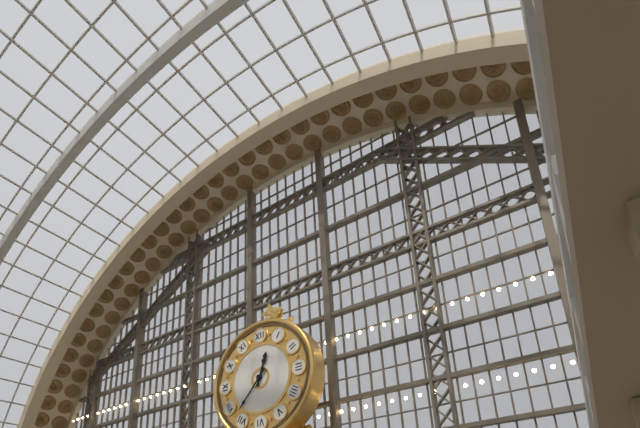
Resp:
12:37
